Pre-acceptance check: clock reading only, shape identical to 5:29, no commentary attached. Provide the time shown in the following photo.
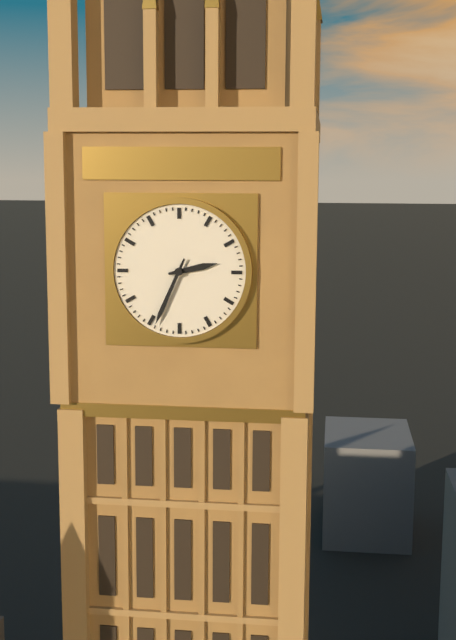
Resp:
2:34
